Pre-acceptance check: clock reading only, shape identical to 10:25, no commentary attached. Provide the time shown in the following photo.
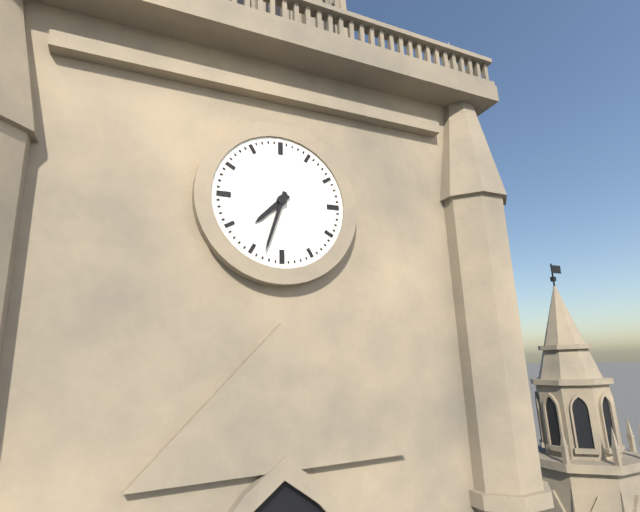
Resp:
7:33
